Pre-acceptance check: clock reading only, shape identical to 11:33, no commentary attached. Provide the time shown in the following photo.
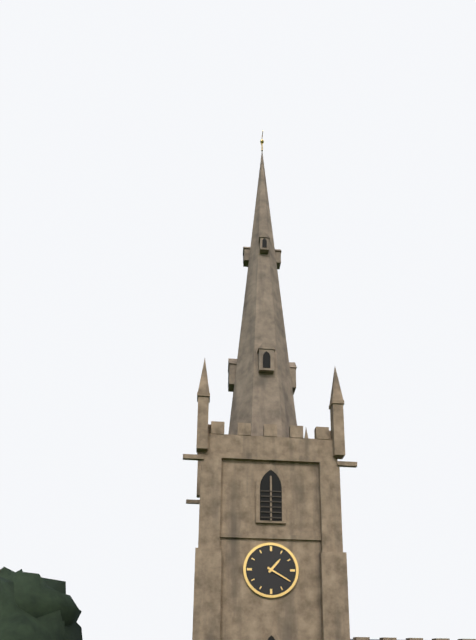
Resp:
1:20
